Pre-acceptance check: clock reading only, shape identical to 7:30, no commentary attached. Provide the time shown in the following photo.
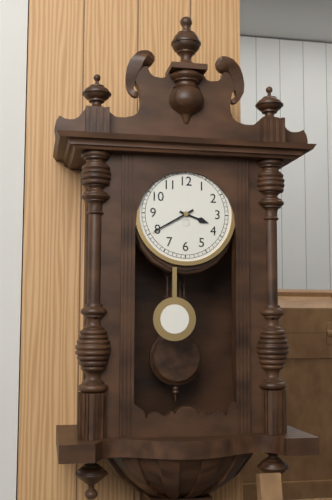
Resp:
3:40
